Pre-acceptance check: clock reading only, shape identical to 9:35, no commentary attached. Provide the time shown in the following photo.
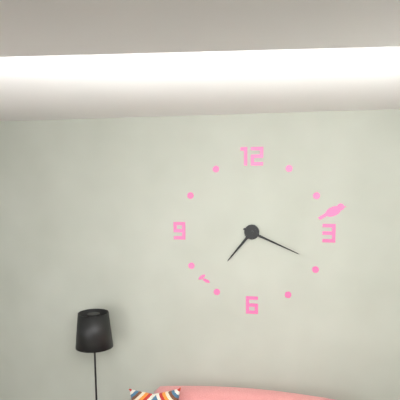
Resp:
7:19
